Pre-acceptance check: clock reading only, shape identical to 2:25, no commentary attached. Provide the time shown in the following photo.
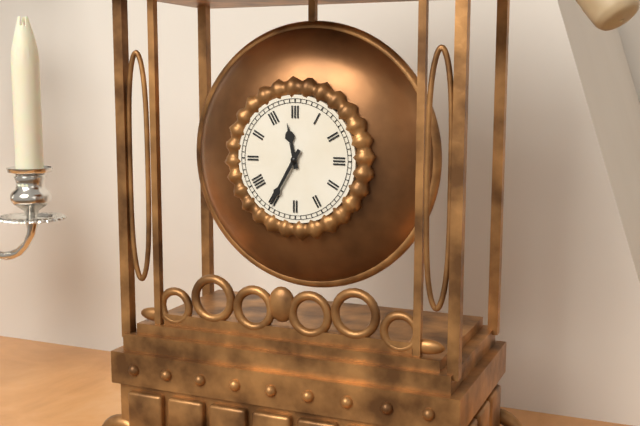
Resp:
11:35
